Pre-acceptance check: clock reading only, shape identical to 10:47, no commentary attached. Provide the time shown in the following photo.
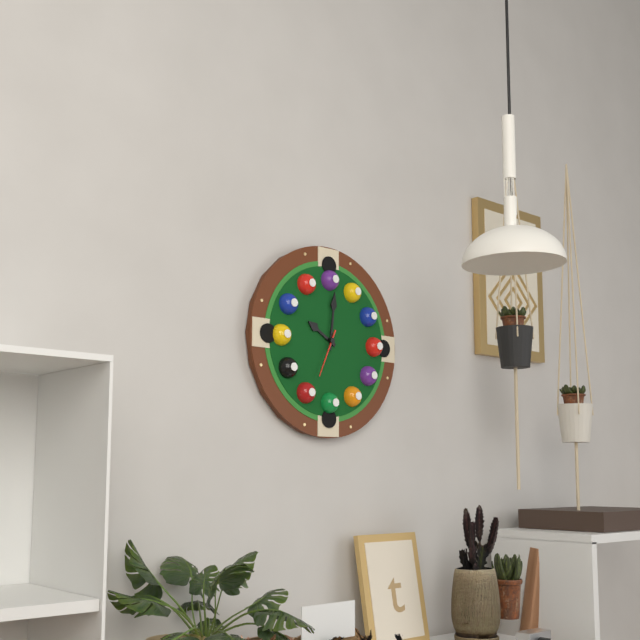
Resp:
10:01
